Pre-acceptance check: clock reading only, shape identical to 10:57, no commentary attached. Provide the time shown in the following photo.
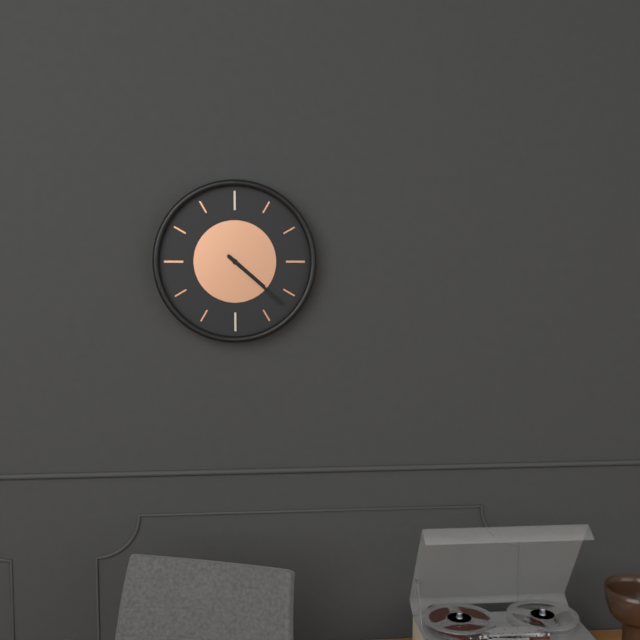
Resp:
4:22
